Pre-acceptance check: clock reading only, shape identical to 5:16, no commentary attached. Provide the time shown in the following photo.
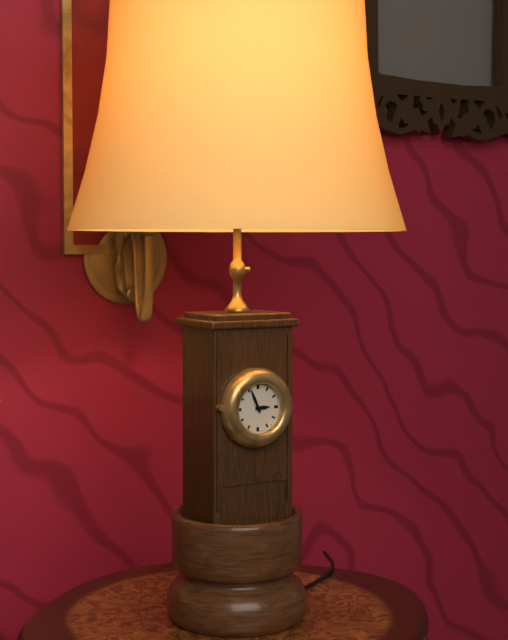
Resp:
2:56
